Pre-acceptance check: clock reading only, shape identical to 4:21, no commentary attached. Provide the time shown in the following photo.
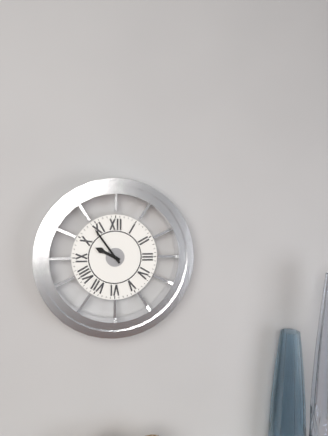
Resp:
9:54
